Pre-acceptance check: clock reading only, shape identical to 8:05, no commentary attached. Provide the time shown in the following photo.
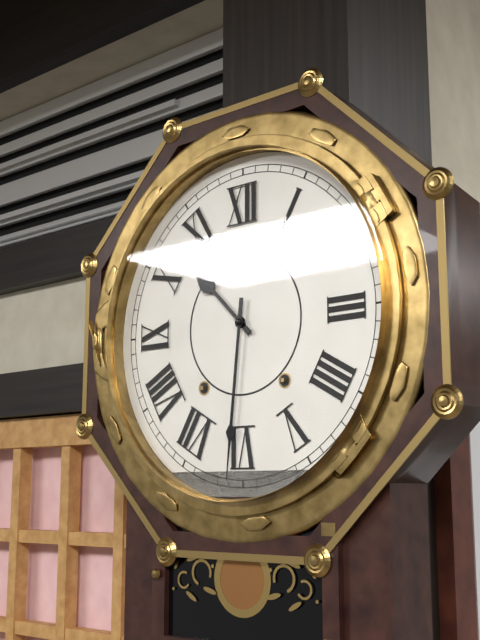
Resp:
10:31
